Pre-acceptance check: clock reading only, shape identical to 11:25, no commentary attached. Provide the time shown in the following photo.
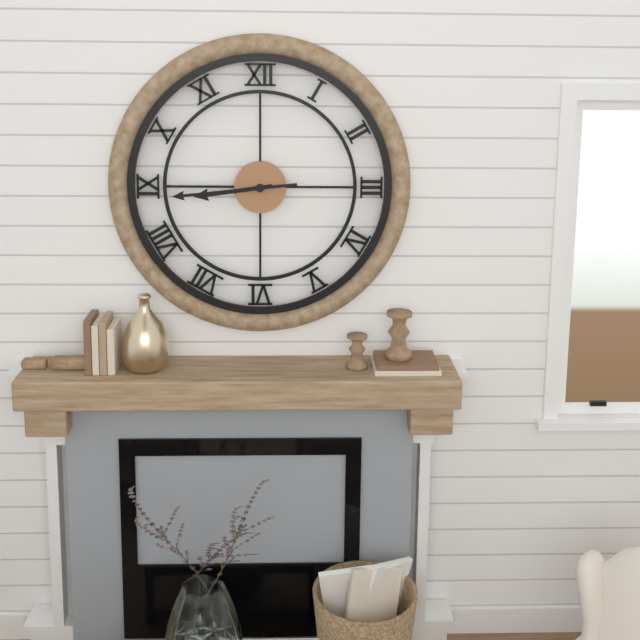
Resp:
8:44
